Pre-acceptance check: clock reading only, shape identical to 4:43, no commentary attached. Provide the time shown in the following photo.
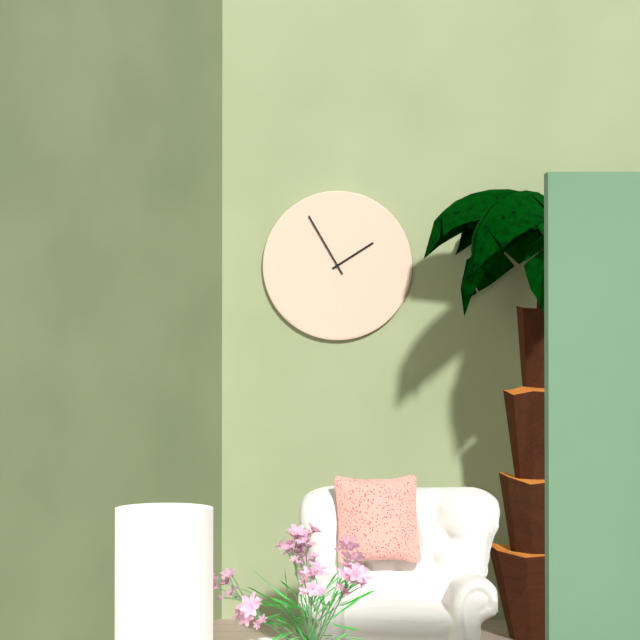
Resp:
1:55
